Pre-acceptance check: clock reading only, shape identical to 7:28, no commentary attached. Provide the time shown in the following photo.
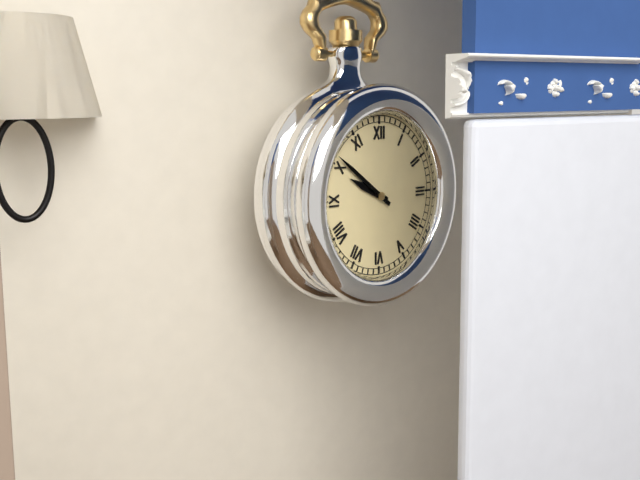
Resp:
9:51
